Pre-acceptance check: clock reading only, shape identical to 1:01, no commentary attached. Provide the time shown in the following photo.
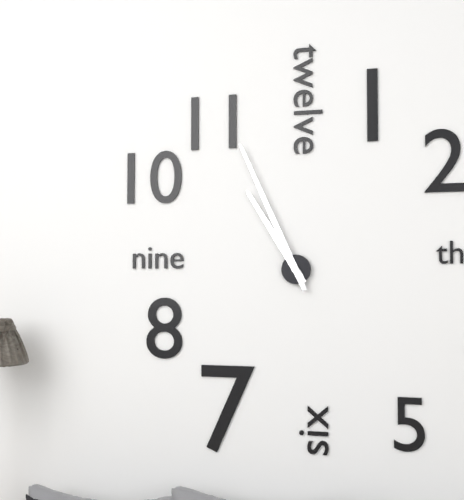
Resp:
10:56
